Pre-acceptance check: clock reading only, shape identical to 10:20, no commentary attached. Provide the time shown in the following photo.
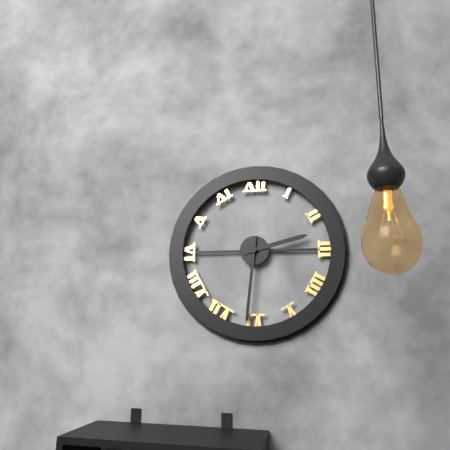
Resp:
2:31
